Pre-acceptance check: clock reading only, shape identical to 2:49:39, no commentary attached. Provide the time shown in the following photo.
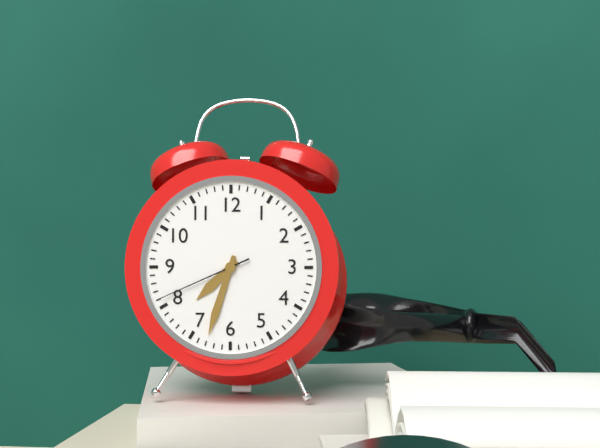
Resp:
7:33:41
